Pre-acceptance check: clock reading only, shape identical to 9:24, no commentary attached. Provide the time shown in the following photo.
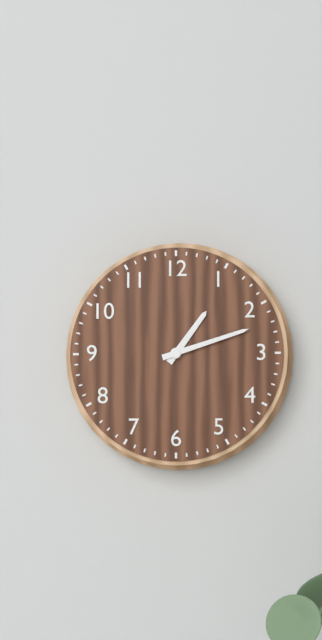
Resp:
1:12
